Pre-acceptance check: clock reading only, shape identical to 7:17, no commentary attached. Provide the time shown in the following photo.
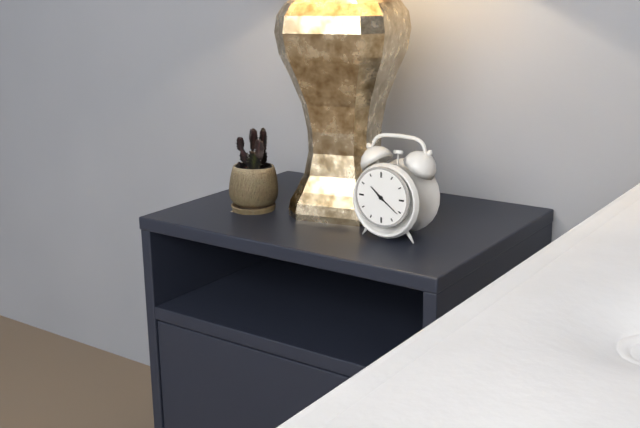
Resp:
10:21
